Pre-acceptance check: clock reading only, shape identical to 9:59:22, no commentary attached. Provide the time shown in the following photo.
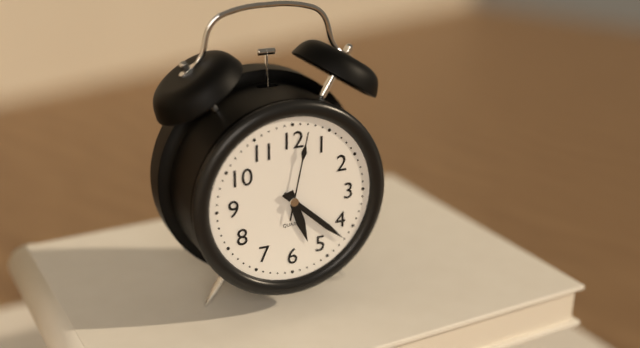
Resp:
5:22:02
